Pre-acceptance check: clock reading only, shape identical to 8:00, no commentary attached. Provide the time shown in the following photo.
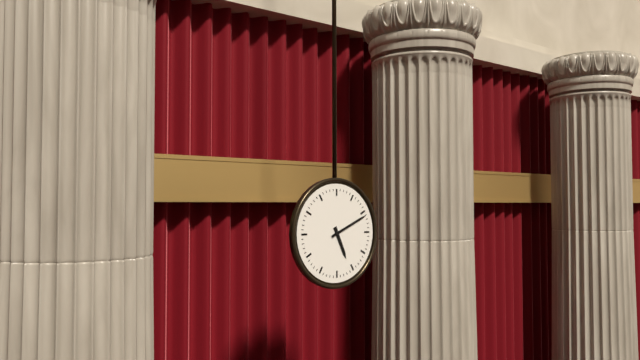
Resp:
5:11
